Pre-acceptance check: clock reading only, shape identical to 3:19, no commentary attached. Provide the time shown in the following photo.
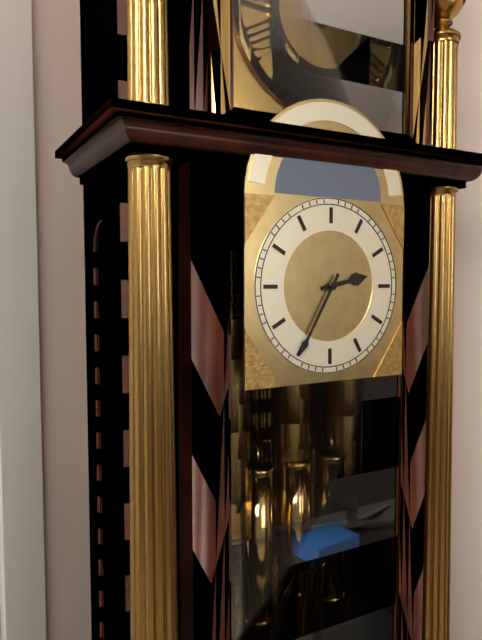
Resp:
2:35
